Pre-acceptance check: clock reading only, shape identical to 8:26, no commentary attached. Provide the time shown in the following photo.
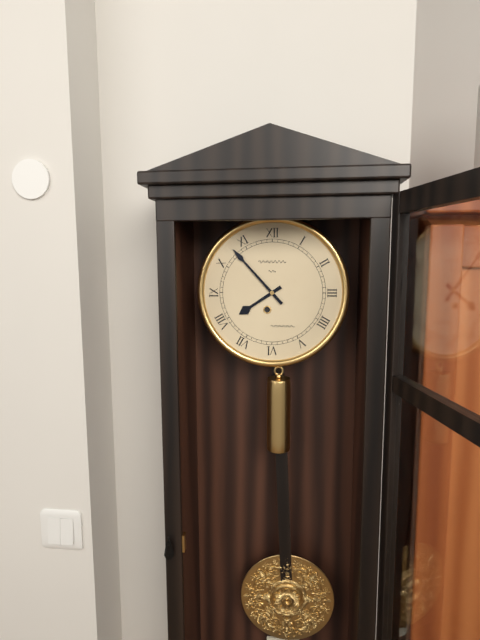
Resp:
7:53
